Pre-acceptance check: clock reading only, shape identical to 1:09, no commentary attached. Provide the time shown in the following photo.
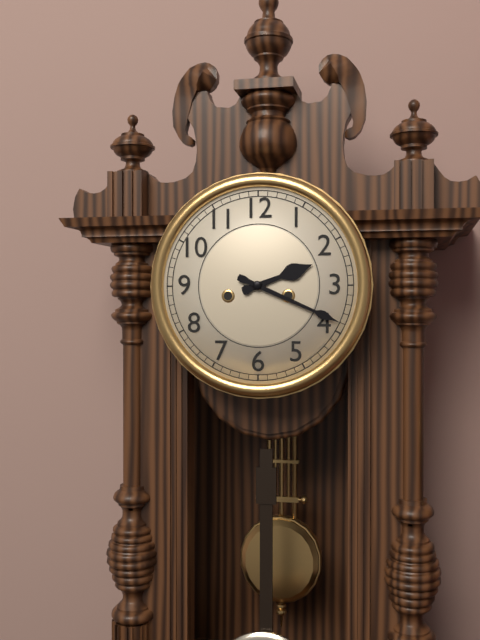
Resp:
2:19
